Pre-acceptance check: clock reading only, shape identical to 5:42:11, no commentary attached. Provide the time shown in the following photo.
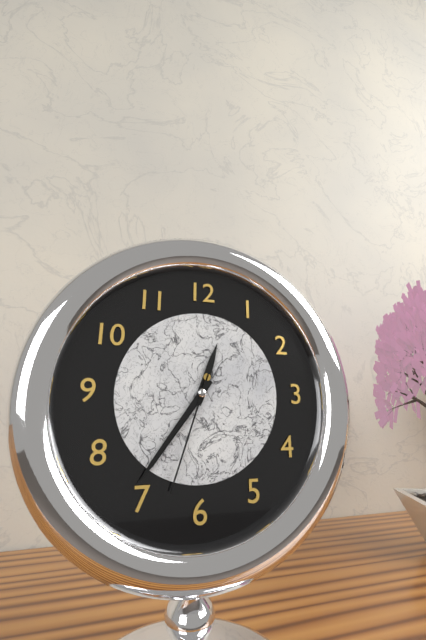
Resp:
12:36:33
